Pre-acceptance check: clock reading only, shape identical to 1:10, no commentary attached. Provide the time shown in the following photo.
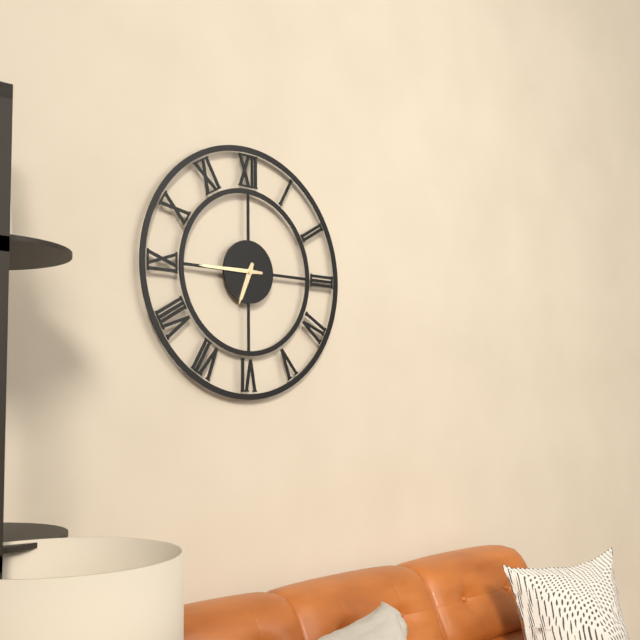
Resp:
6:45
